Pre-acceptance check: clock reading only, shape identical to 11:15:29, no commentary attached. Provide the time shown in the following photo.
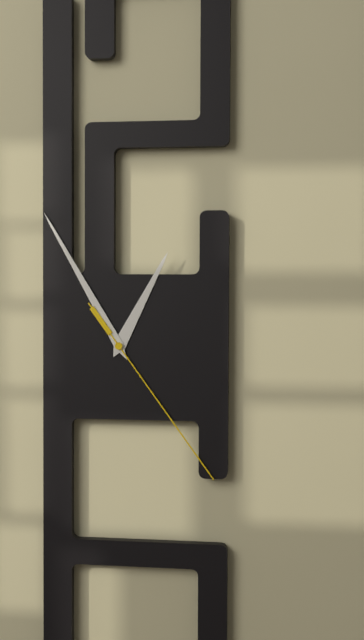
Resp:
12:55:24
